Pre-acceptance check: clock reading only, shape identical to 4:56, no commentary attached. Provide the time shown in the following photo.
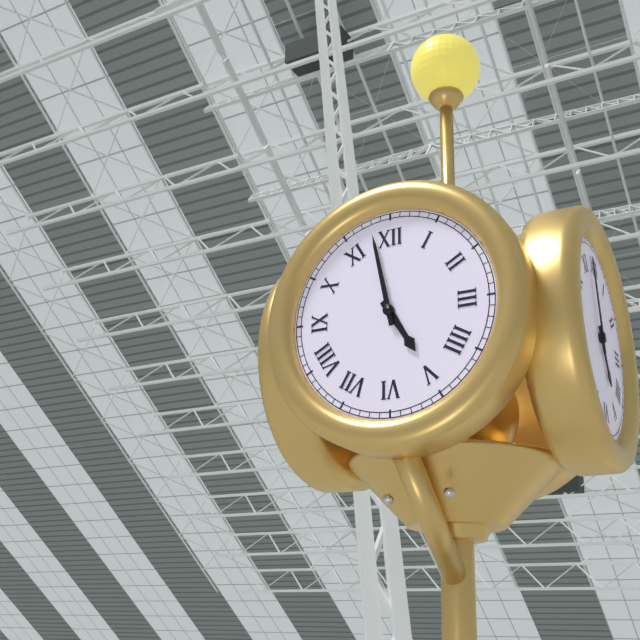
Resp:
4:58
